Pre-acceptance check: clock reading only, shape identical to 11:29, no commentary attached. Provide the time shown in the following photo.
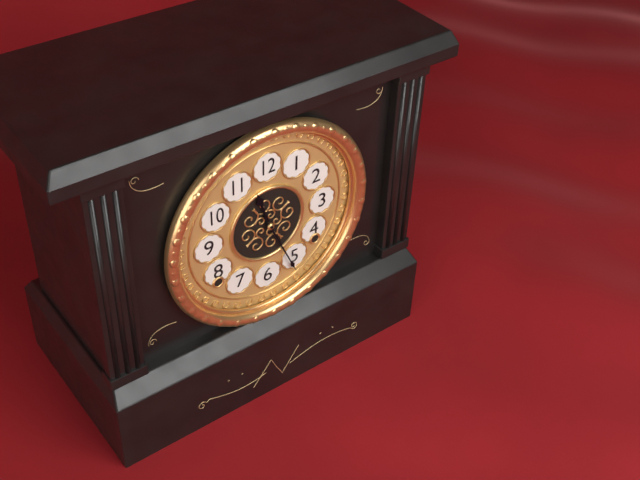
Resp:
11:26
